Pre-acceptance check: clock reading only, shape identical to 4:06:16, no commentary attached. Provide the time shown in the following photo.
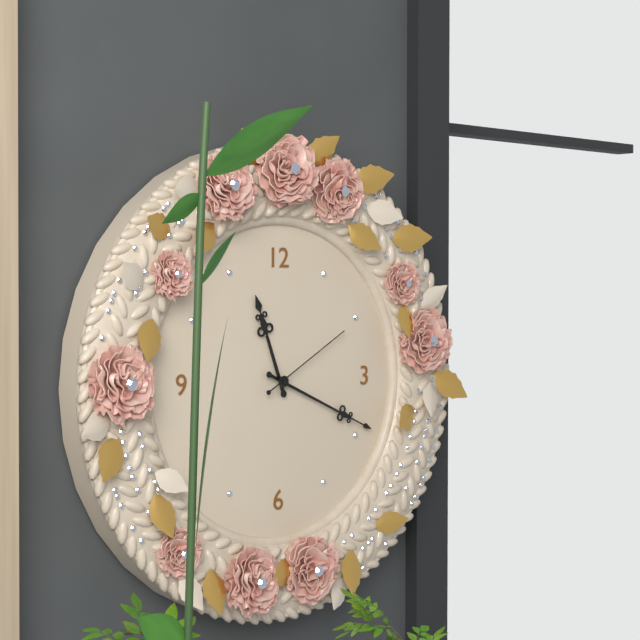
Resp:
11:19:10
